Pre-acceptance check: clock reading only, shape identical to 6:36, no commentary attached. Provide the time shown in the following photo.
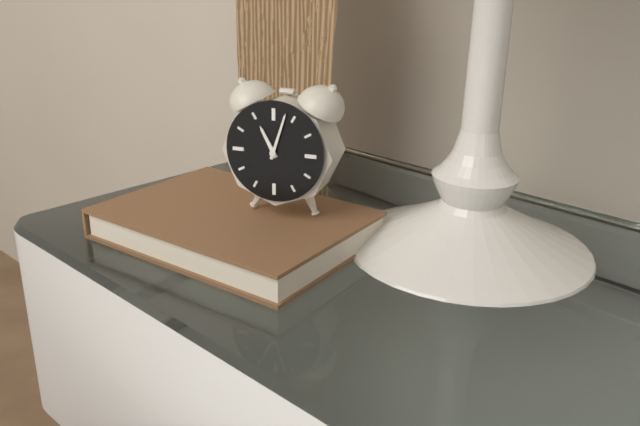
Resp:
11:03
